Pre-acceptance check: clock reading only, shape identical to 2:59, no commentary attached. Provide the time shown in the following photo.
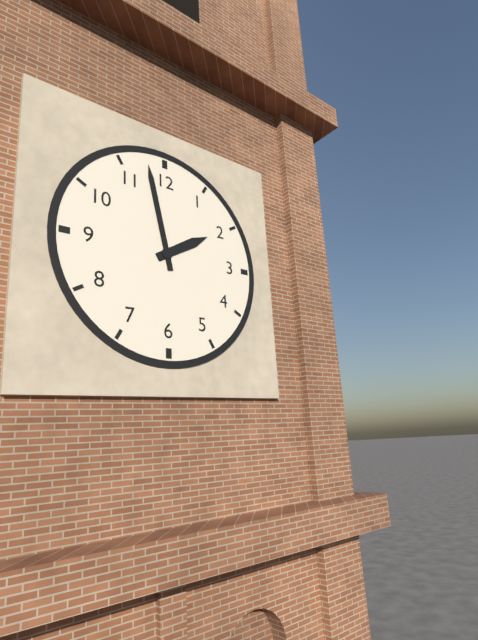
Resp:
1:58
